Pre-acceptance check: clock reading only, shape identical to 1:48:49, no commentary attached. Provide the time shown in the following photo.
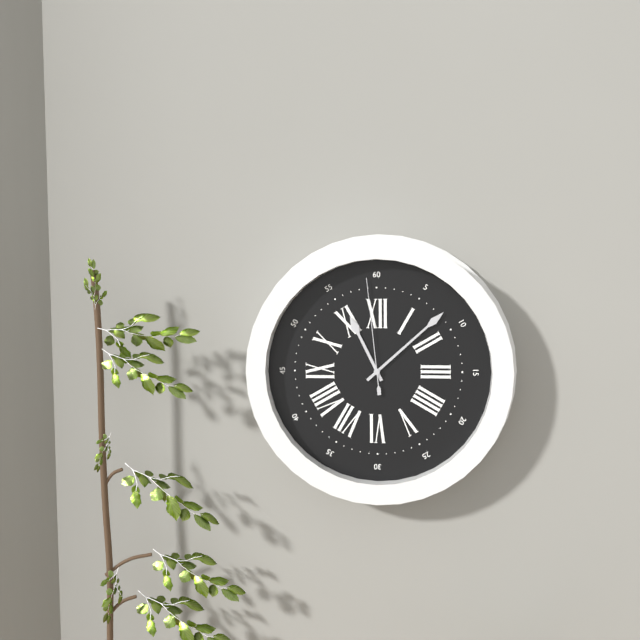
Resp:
11:08:59
